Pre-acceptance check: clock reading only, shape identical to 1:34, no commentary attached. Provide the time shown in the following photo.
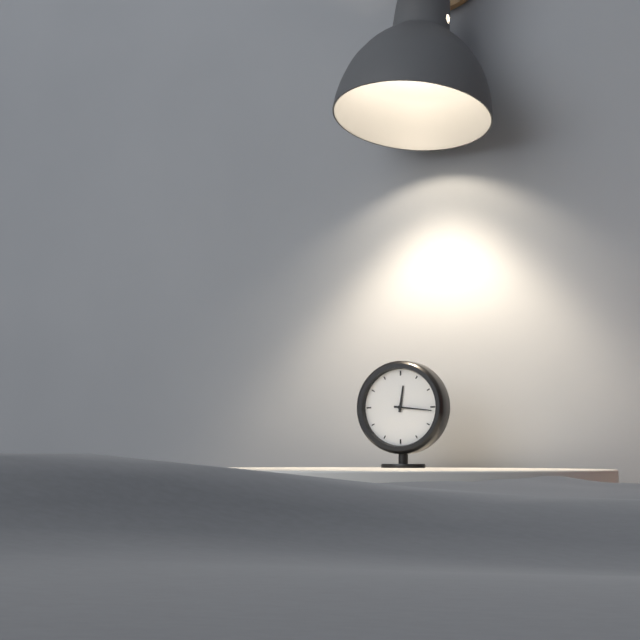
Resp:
12:16
